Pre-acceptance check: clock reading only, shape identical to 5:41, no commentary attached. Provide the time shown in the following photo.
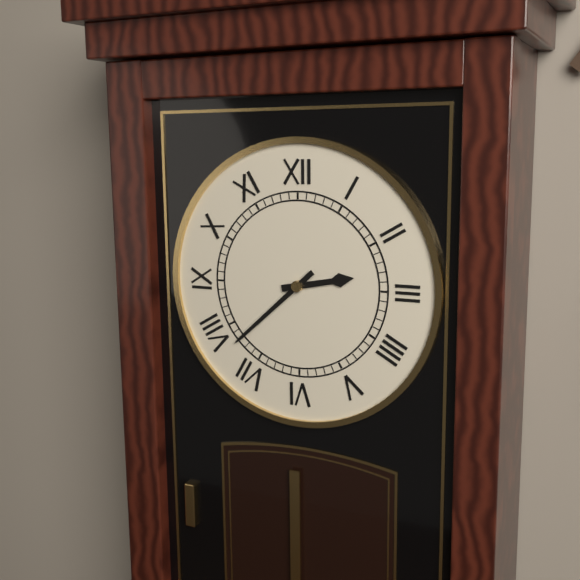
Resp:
2:38
